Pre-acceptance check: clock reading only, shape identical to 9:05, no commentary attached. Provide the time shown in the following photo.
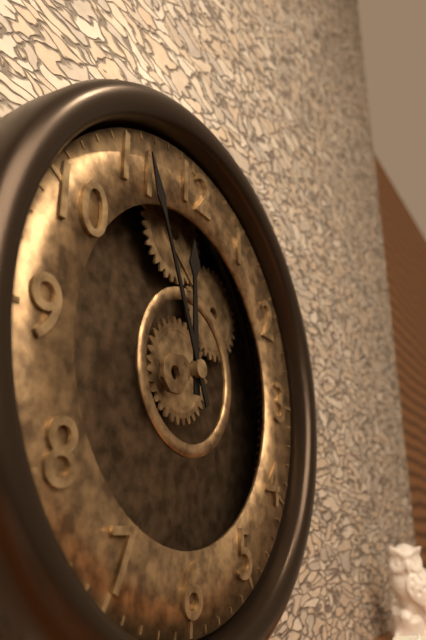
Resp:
11:56
